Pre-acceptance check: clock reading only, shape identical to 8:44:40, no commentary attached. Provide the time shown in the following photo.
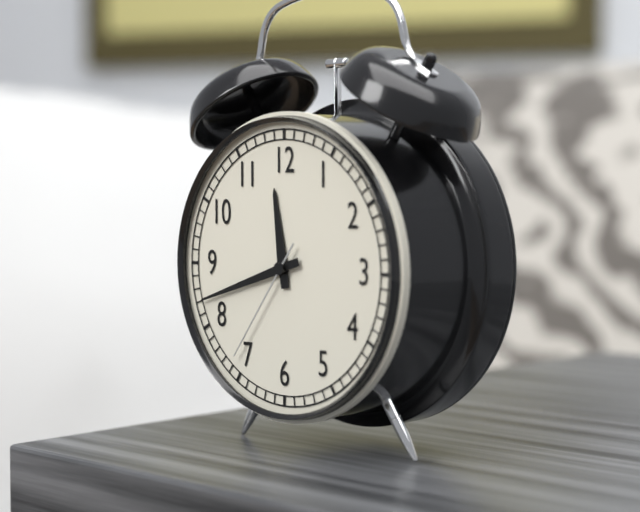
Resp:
11:42:36
